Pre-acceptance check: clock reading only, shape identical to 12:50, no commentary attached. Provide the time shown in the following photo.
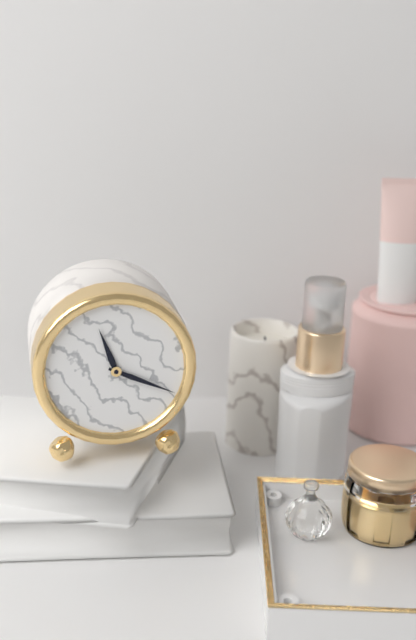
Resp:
11:19
